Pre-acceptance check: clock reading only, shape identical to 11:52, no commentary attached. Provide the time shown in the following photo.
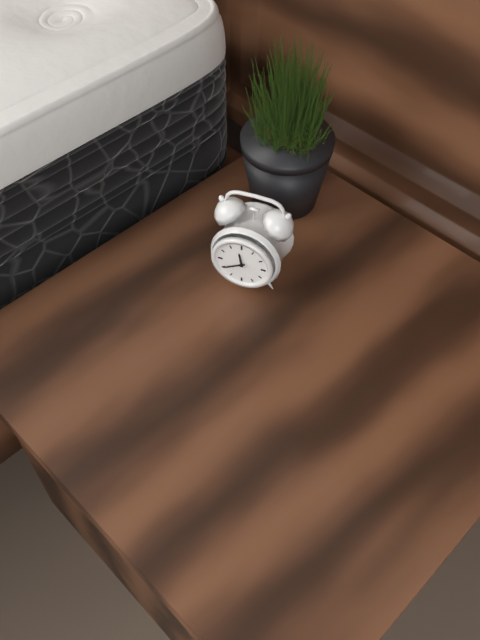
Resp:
11:40
